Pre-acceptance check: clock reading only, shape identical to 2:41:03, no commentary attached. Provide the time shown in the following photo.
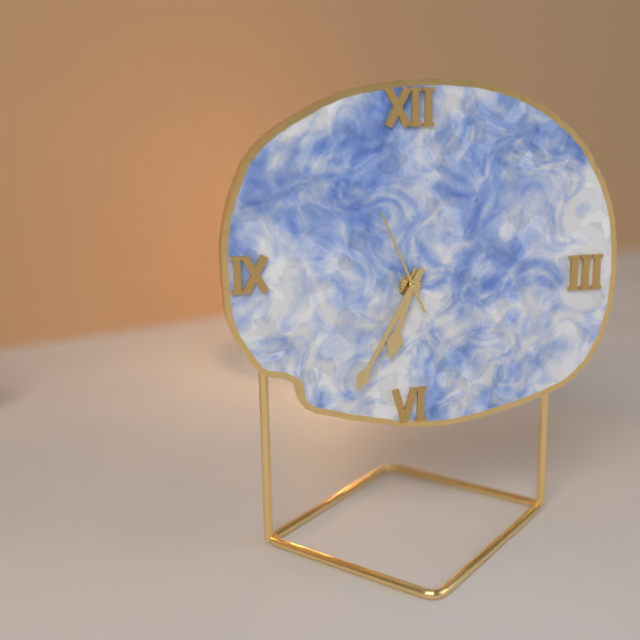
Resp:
6:35:56
